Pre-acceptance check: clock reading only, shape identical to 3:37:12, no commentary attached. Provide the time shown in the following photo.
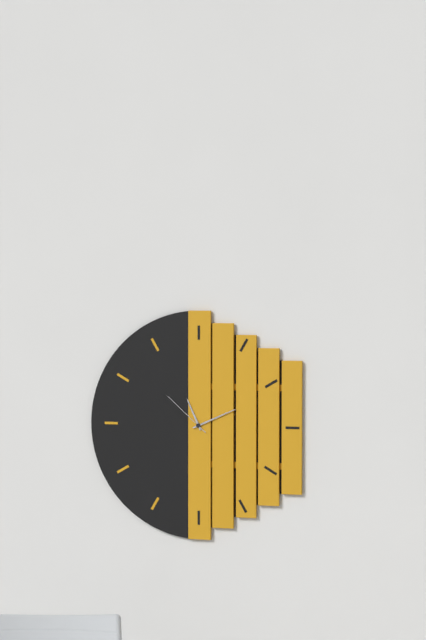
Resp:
11:11:52
